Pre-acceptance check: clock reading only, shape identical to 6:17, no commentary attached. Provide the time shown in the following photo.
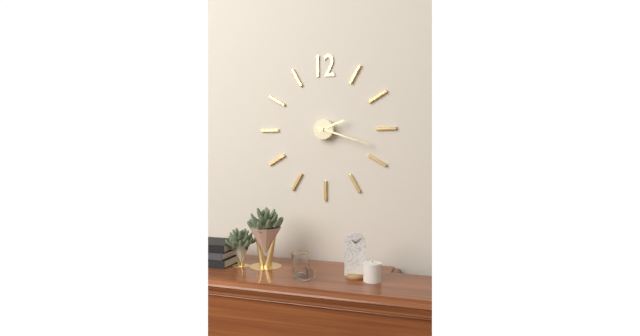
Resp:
2:18
